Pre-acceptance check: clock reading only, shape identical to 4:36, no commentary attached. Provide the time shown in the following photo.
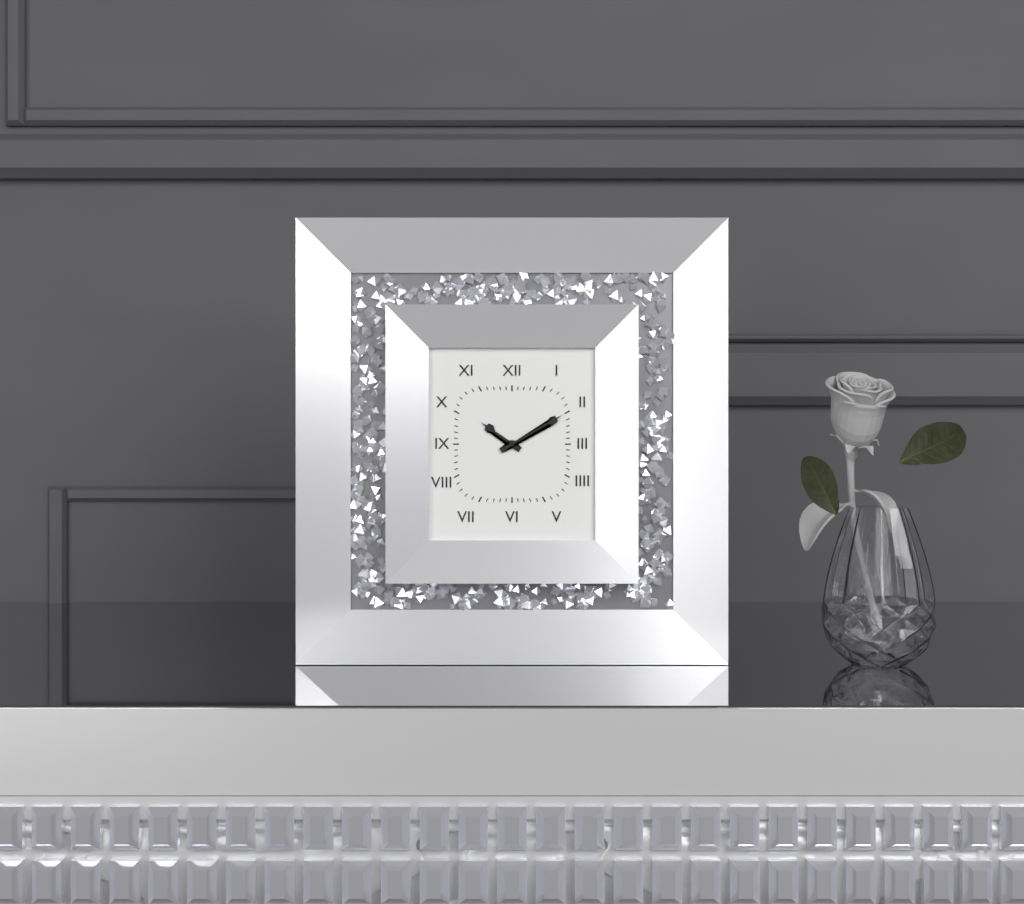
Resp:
10:10
